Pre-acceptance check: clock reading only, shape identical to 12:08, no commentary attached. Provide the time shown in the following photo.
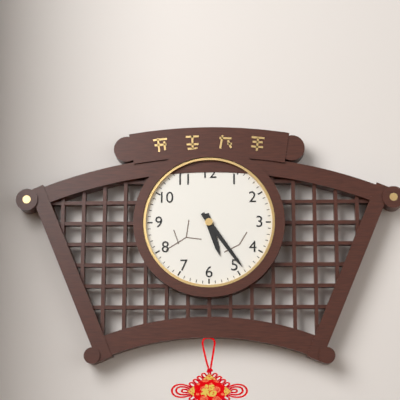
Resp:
5:24
